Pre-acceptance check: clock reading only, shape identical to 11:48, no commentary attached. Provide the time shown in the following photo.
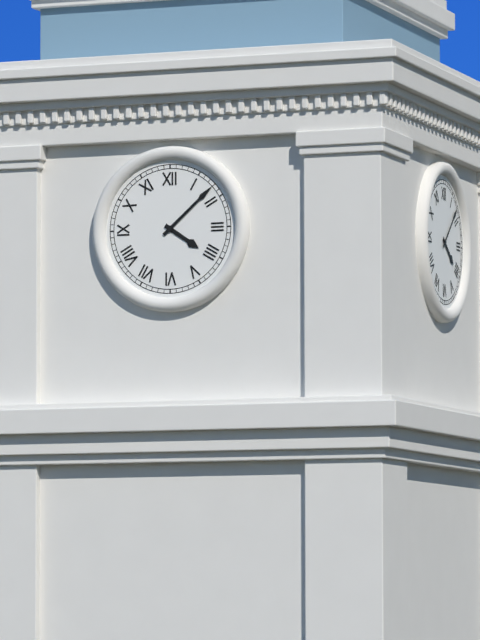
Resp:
4:08
